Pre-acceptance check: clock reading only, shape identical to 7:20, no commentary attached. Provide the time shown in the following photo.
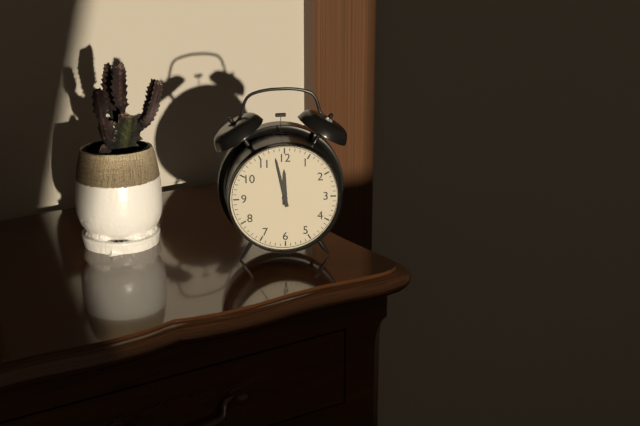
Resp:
11:58
